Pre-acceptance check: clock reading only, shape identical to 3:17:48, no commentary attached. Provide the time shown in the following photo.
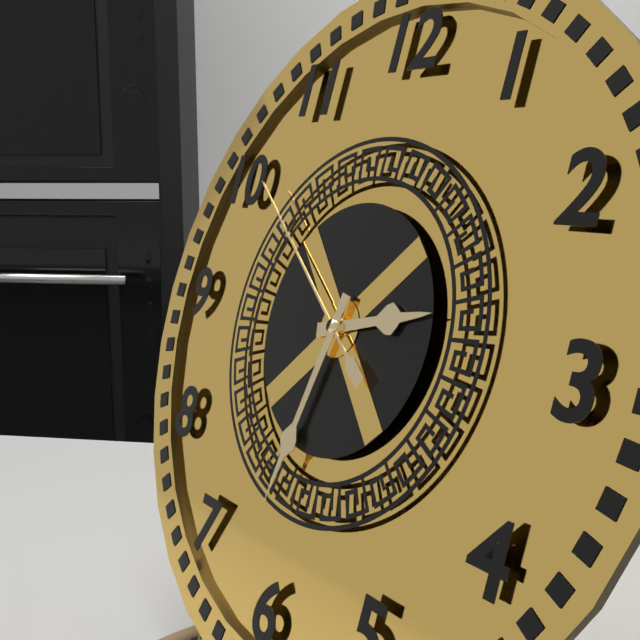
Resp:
2:32:51
